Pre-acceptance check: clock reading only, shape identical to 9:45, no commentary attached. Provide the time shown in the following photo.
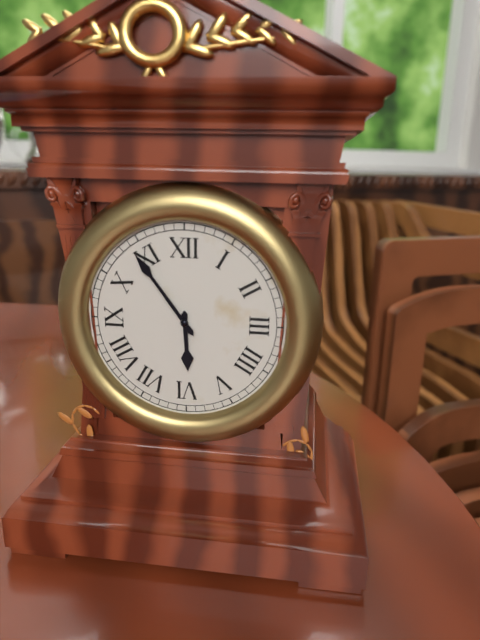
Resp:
5:54
